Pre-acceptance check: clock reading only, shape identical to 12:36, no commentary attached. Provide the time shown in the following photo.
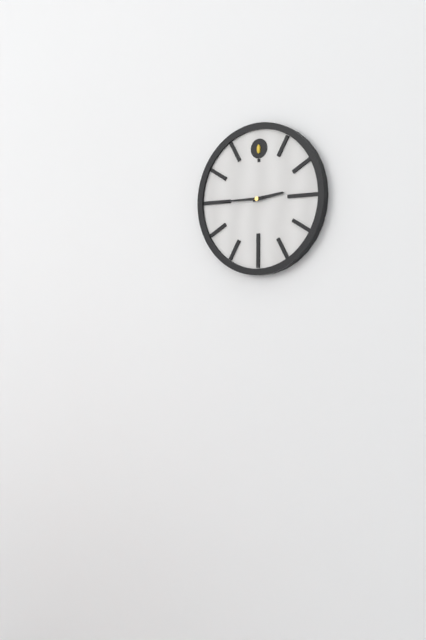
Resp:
2:45
